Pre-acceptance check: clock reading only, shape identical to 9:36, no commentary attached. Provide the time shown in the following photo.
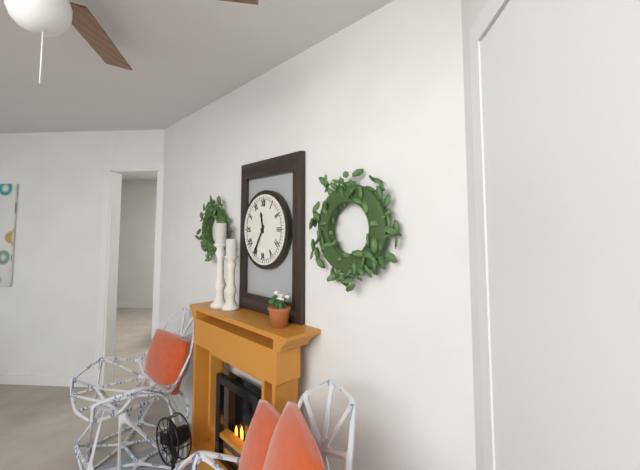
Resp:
11:35
